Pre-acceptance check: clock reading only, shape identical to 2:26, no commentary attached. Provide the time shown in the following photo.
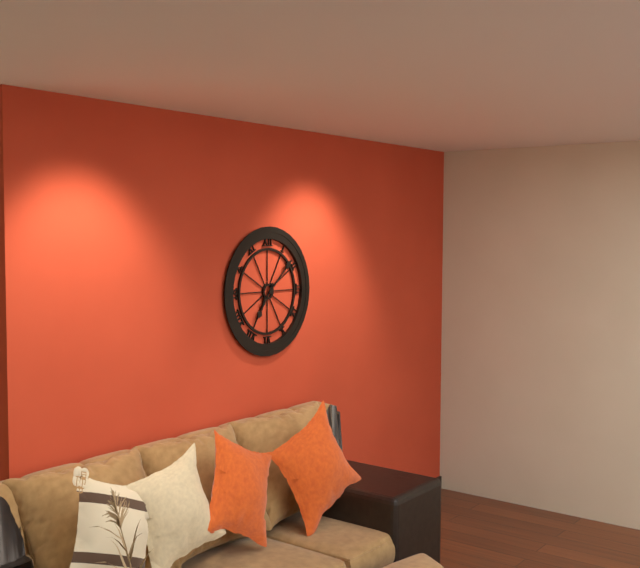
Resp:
7:08
